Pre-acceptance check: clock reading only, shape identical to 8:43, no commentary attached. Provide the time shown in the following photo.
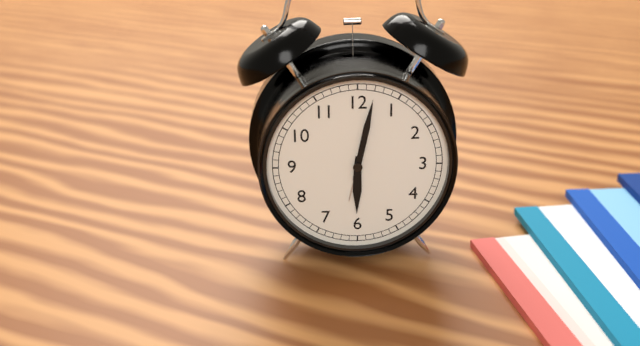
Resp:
6:02
